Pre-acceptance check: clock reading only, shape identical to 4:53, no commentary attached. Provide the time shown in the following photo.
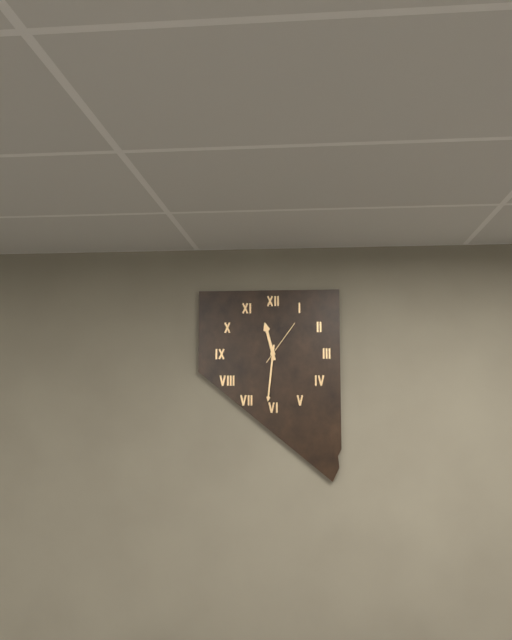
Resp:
11:31
